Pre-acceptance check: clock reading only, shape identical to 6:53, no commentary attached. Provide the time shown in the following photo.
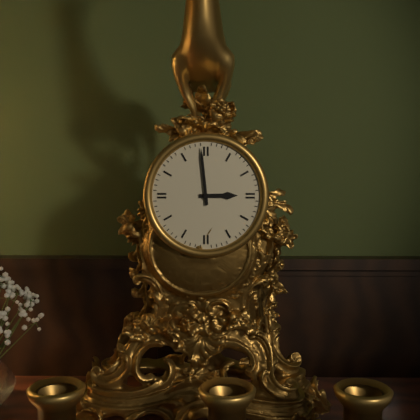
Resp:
2:59
